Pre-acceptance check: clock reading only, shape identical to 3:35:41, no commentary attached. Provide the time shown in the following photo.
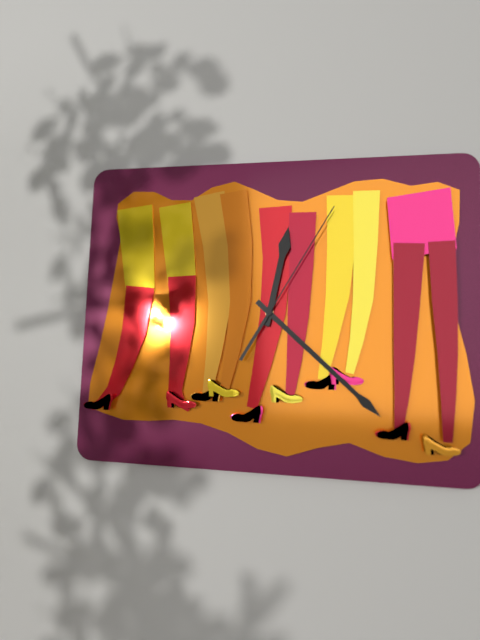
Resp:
12:22:05
